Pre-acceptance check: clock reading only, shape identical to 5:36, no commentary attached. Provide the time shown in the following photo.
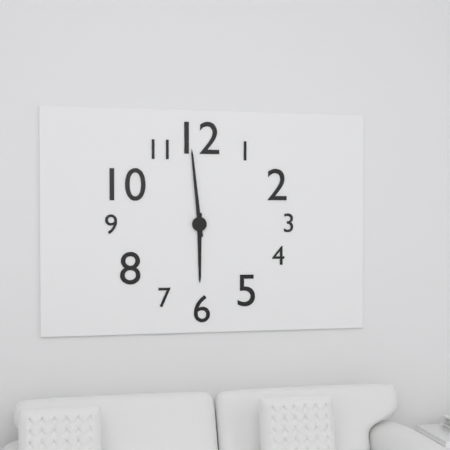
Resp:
5:59
